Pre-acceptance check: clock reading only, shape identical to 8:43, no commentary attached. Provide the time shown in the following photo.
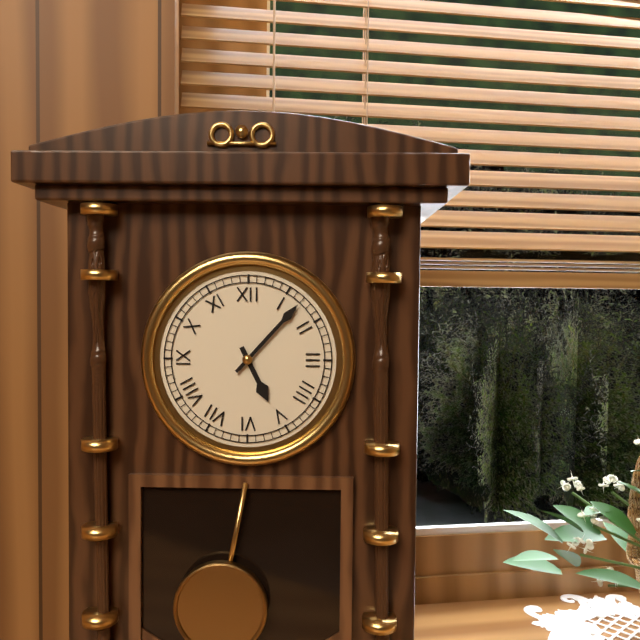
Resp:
5:07
